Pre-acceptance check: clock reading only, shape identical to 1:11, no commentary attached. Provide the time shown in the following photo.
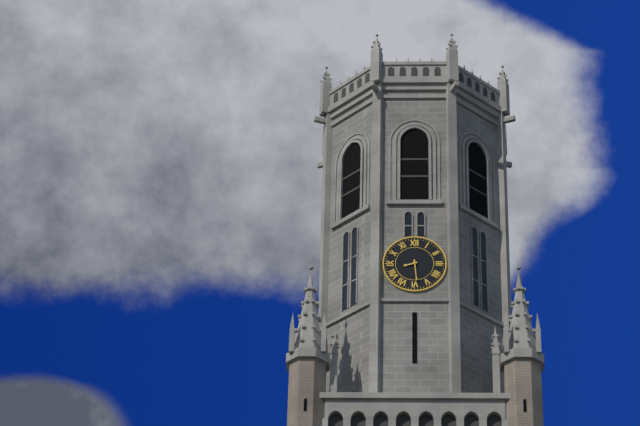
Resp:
8:29
